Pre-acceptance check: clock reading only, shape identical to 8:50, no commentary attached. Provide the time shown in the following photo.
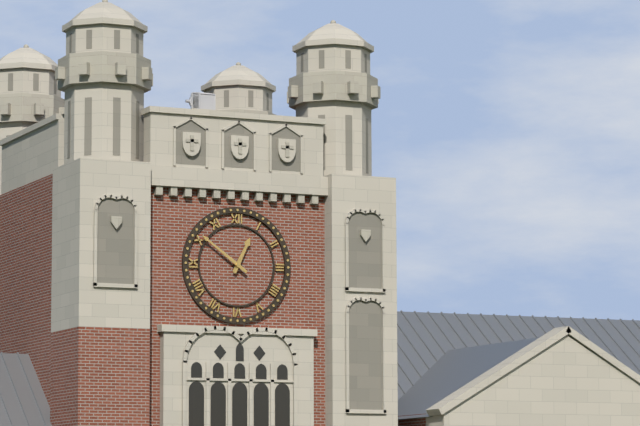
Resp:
12:51
